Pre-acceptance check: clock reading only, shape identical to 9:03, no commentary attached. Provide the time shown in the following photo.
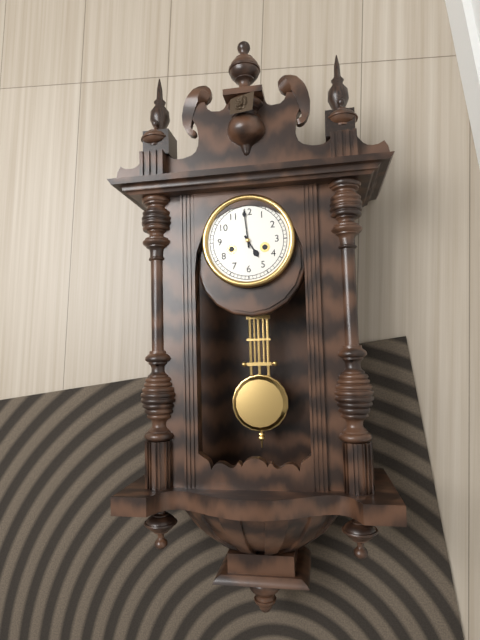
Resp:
4:59
